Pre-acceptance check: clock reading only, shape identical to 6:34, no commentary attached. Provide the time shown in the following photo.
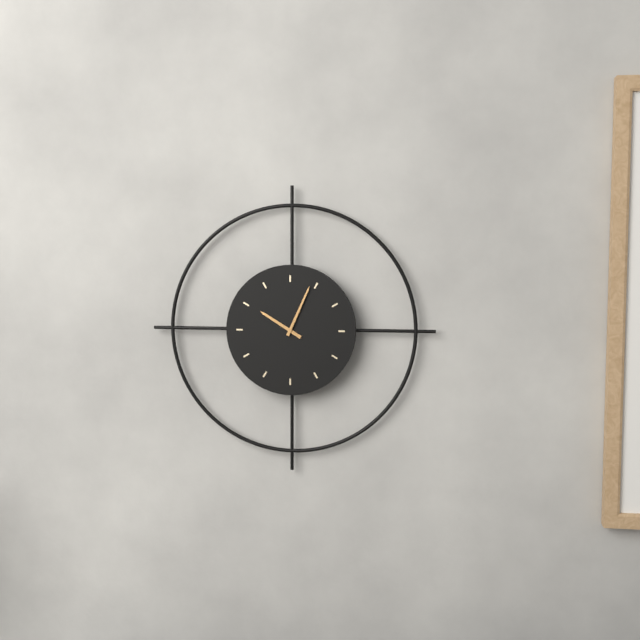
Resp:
10:04
